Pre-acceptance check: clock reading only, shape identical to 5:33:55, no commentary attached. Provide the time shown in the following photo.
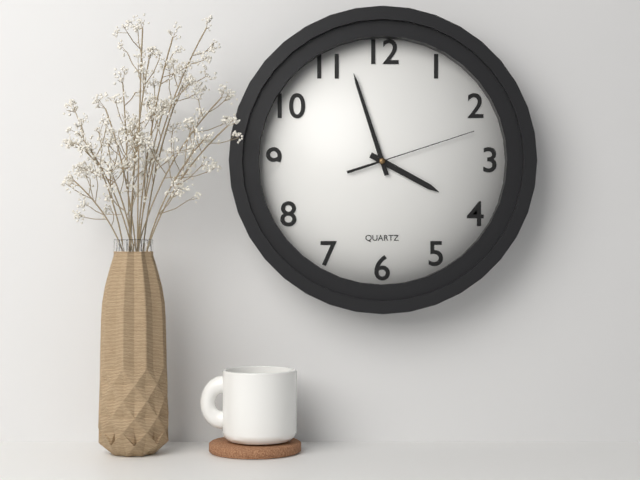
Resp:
3:57:12
